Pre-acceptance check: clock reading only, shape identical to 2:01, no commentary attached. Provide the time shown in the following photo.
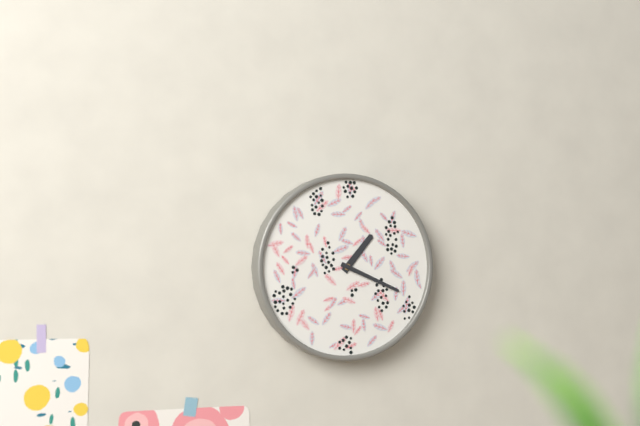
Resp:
1:19
